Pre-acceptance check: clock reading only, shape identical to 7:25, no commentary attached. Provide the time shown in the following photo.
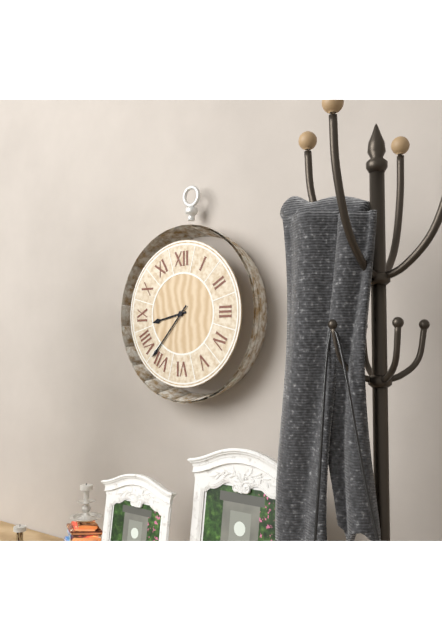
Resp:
8:37
